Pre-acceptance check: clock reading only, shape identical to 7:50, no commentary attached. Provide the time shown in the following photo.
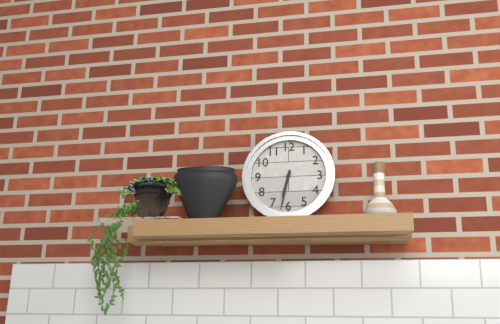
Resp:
6:32
